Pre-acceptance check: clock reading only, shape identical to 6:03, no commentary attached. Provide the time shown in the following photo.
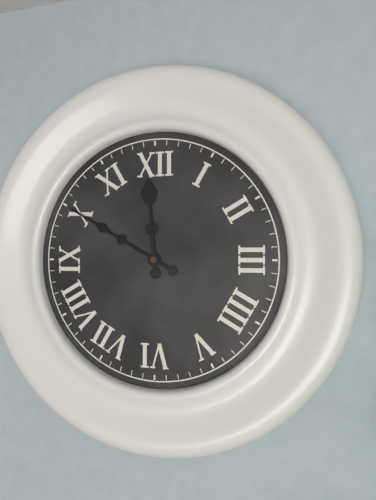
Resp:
11:50
